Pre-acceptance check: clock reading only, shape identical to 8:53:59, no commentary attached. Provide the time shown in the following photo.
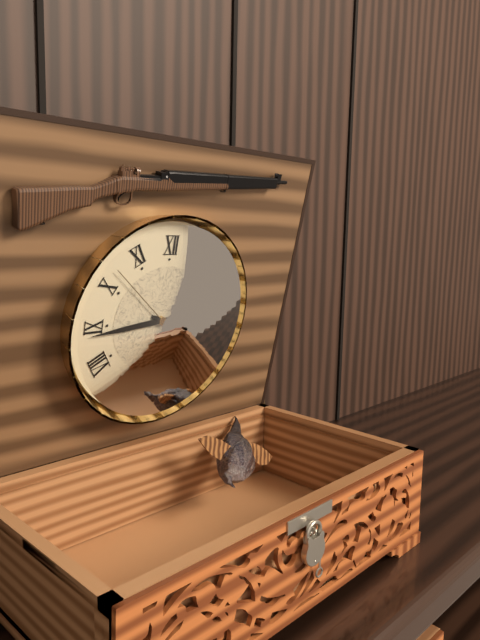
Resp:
3:44:52
